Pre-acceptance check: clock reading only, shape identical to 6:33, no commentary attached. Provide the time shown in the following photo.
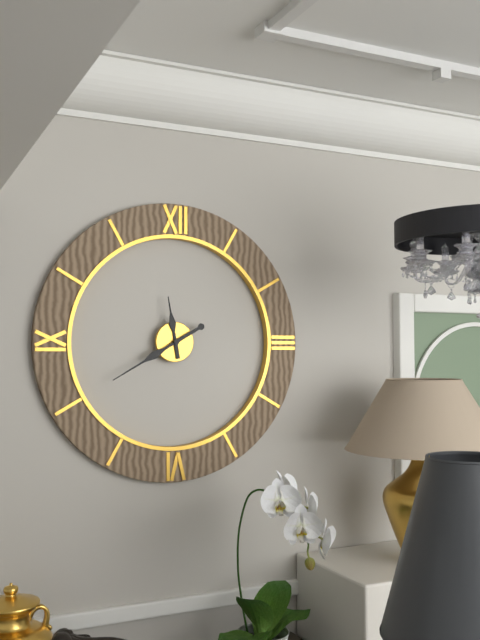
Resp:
11:40
